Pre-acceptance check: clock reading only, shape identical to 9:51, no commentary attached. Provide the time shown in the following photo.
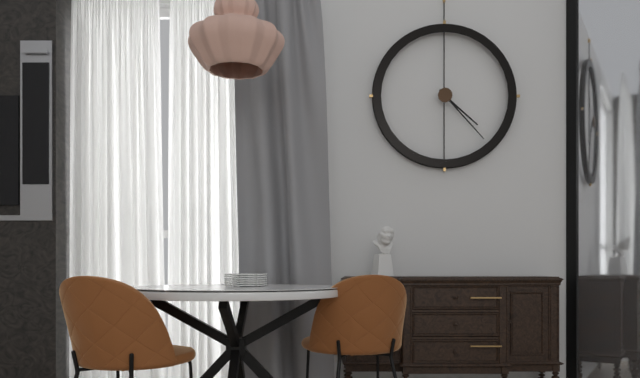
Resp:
4:23
